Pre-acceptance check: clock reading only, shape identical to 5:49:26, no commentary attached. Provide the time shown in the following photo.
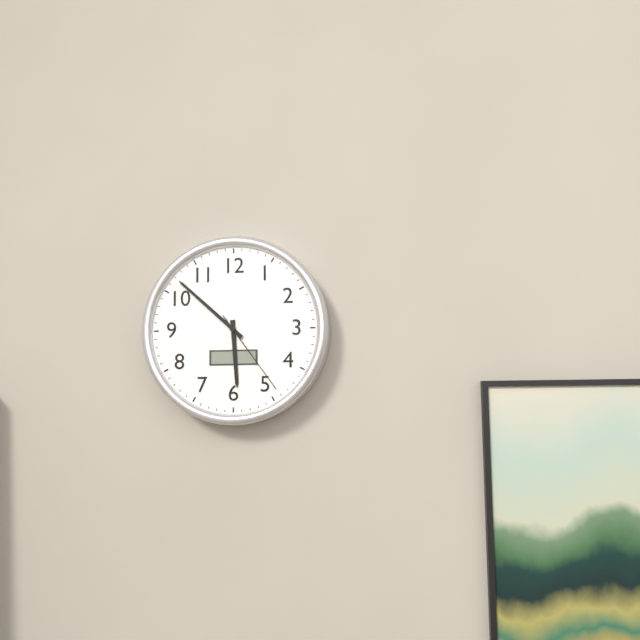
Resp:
5:52:24
